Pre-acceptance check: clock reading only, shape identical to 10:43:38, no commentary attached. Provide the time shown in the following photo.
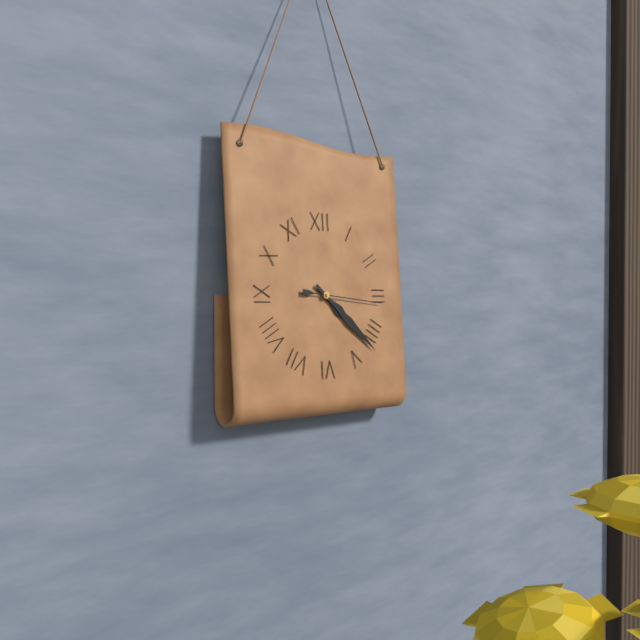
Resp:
4:22:16
